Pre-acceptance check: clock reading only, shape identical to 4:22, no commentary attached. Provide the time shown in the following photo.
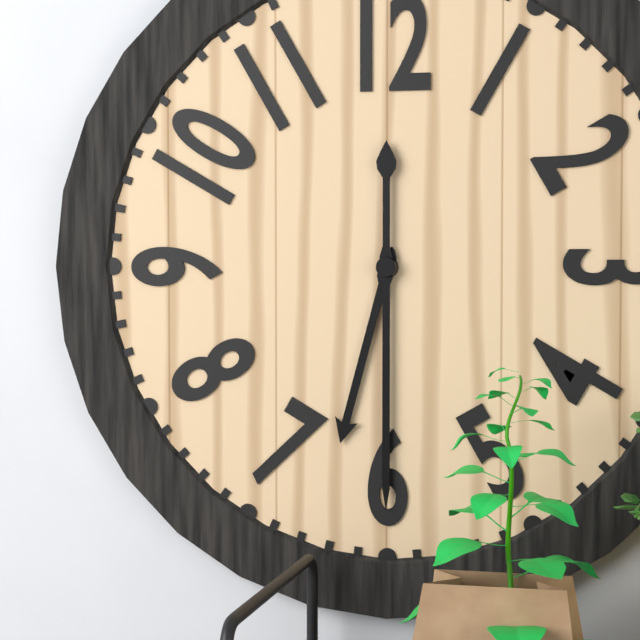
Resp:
6:30
